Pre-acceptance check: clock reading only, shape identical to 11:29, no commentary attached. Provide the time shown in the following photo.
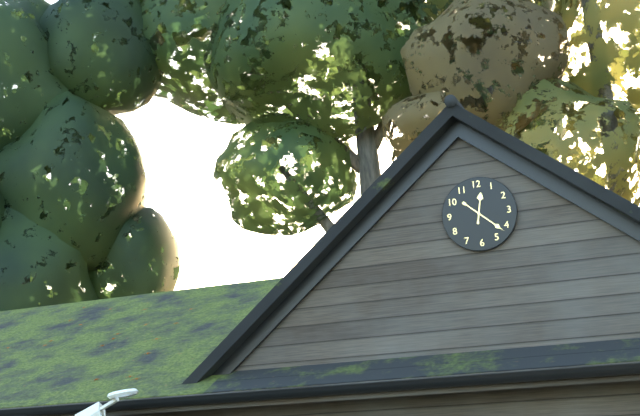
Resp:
12:22
